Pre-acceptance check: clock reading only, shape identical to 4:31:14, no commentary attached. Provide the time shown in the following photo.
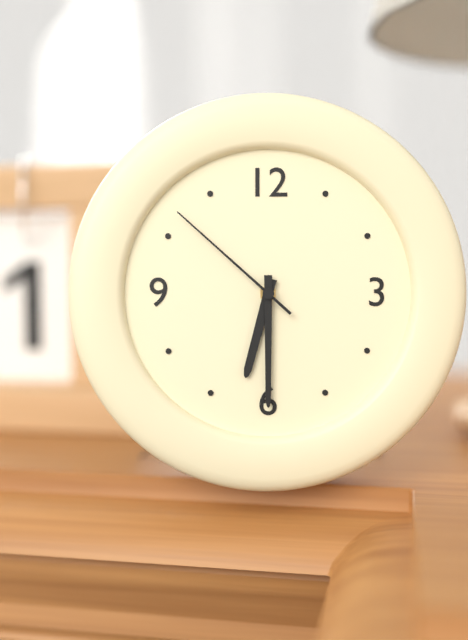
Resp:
6:30:52
